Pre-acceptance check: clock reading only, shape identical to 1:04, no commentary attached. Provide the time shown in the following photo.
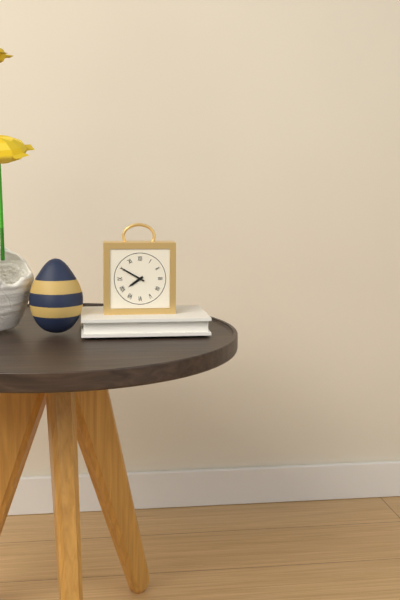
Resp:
7:50
